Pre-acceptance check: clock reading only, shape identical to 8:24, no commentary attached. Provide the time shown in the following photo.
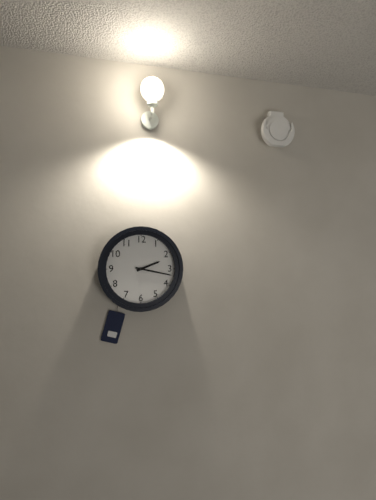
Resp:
2:17
